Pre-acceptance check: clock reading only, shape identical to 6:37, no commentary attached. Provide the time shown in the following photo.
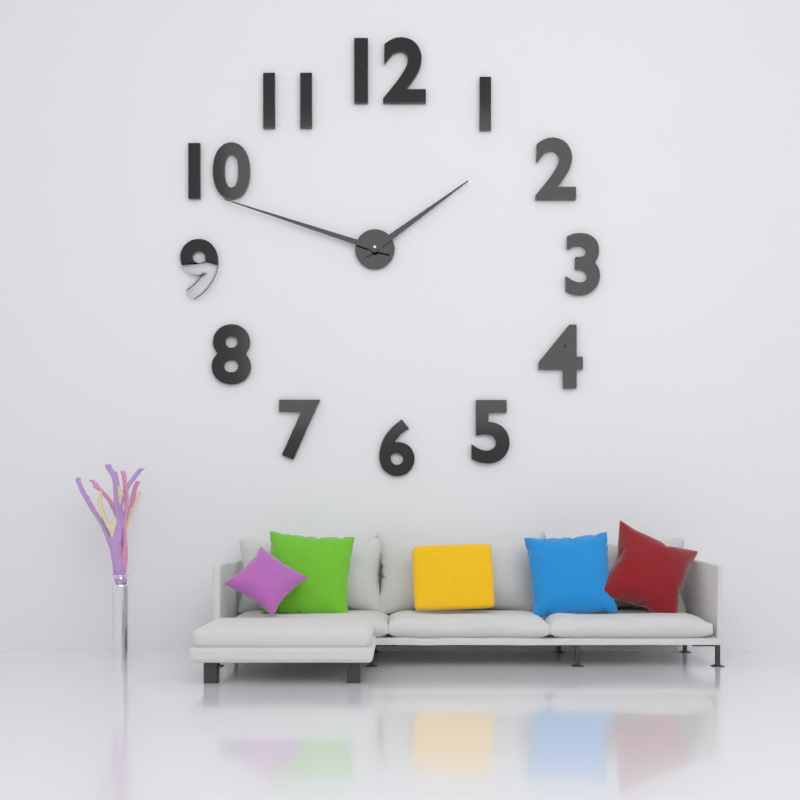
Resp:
1:48
